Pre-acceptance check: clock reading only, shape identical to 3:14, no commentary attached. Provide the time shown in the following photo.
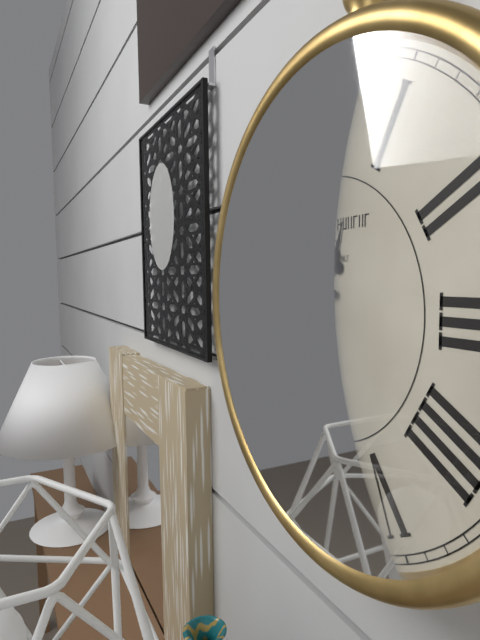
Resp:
12:38
